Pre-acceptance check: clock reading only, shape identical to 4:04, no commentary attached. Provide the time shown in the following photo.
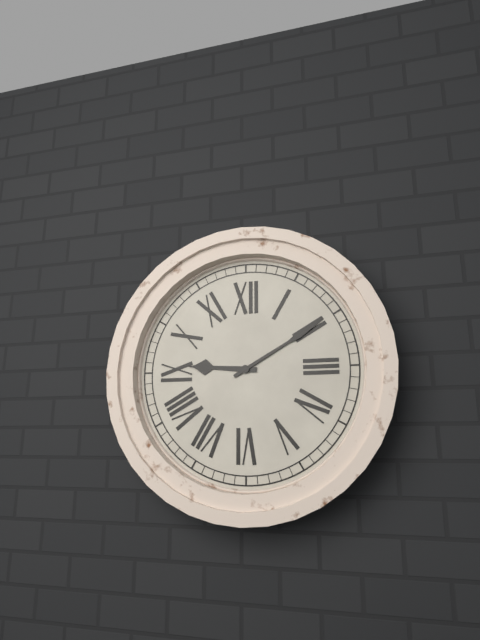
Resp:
9:10
